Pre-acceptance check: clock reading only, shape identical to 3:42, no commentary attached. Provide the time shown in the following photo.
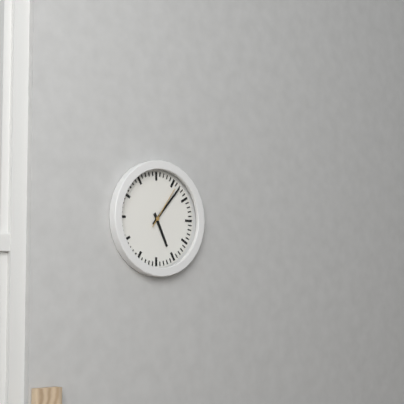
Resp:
5:07
